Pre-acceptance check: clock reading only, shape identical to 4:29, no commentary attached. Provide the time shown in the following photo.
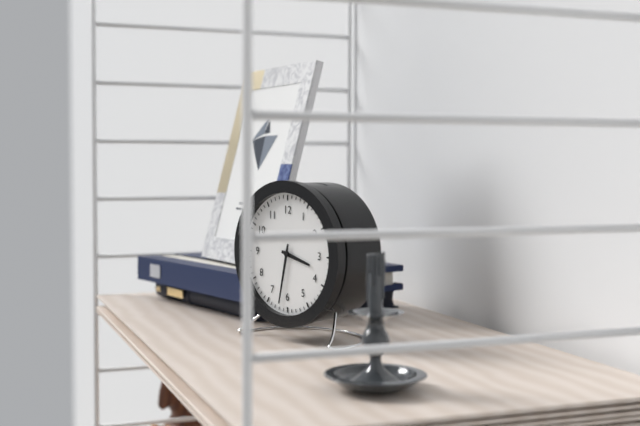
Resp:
3:32
